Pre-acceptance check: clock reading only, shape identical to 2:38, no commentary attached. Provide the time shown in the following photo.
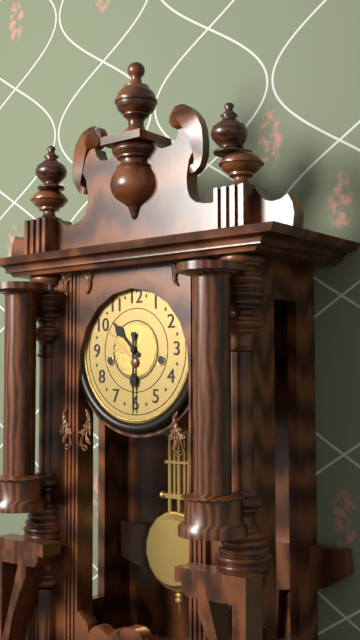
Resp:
10:30
